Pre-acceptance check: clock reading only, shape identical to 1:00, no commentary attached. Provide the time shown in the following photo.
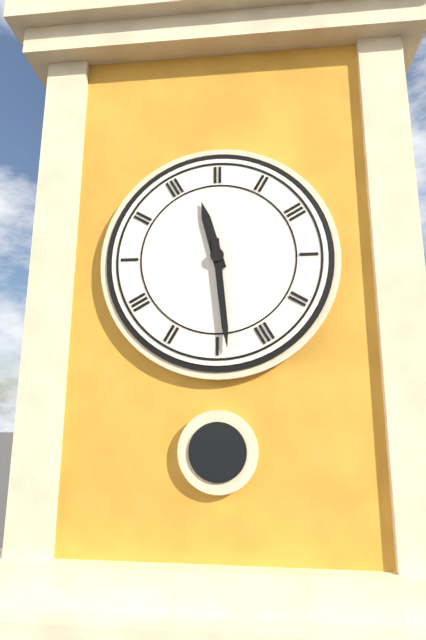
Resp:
11:29
